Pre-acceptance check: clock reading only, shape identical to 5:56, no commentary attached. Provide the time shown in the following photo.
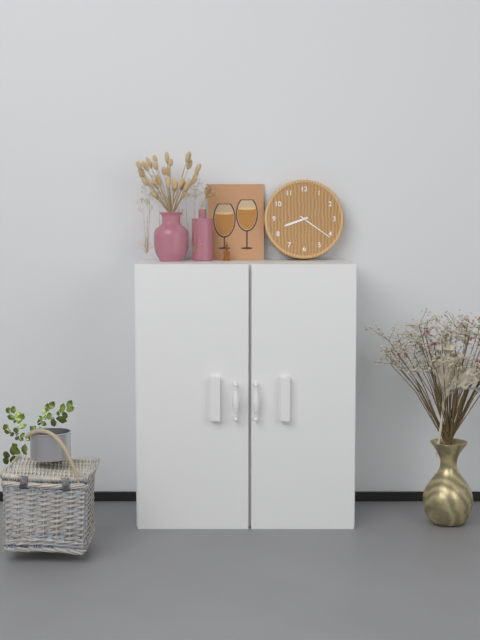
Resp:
8:21
